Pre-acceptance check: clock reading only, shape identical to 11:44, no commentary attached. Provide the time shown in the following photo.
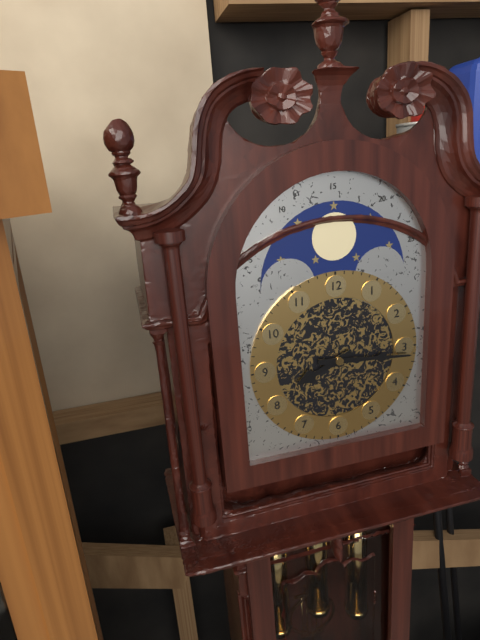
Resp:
8:16
